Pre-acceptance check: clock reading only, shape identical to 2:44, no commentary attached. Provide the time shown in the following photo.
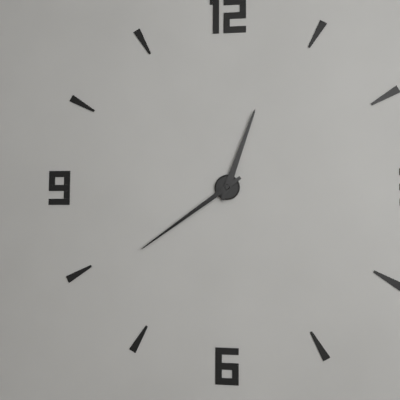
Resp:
12:39
